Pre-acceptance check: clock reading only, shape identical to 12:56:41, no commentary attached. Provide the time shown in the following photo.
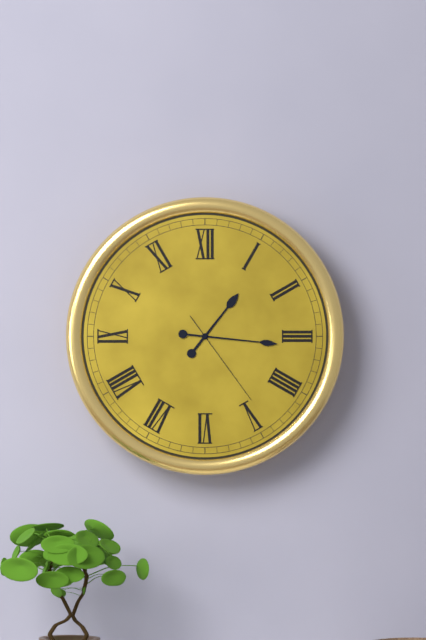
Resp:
1:16:24
